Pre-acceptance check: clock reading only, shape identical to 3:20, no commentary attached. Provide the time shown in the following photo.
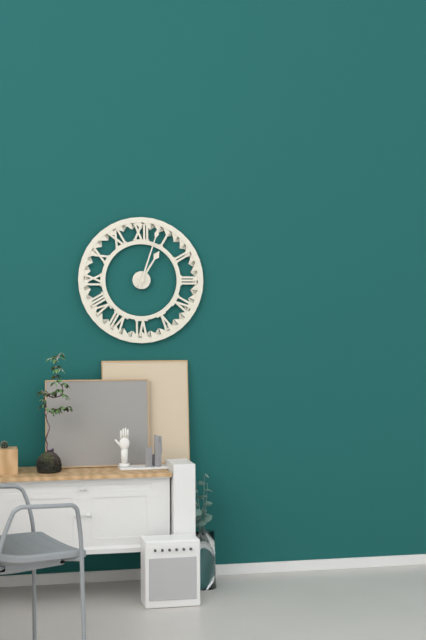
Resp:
1:03
